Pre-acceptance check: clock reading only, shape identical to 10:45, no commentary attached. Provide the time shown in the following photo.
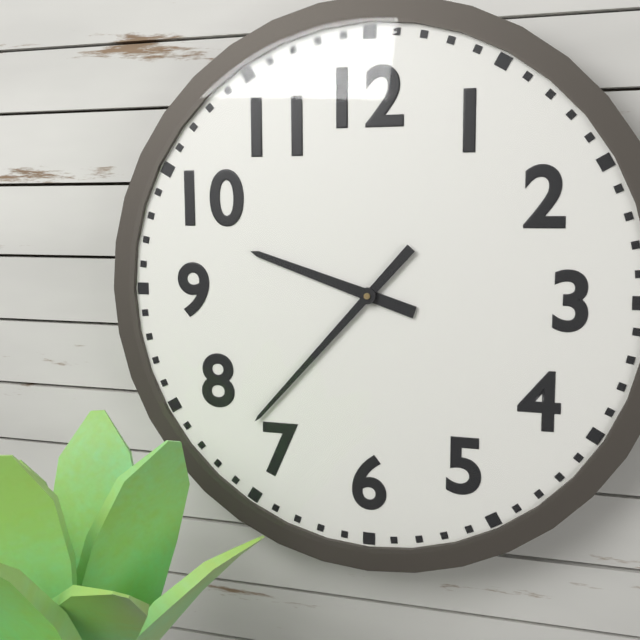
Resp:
9:37
